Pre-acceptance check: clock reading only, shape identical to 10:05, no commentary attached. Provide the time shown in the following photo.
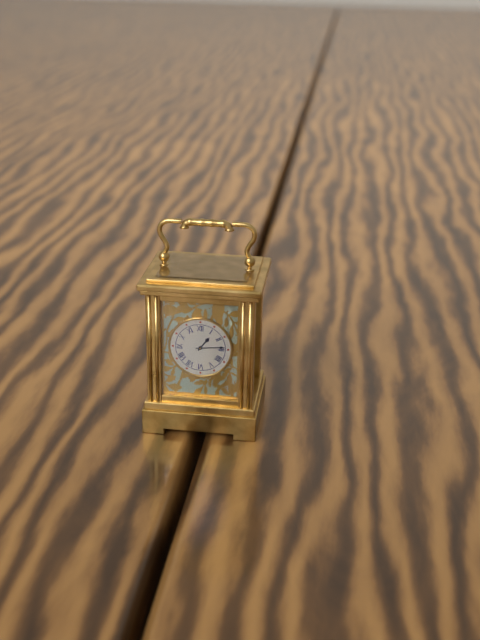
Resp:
1:14
